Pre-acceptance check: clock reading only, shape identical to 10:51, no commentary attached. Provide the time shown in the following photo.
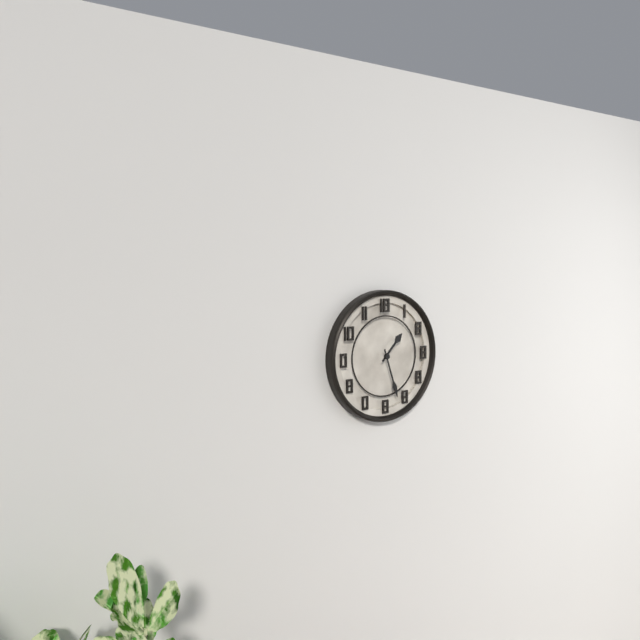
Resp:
1:27
